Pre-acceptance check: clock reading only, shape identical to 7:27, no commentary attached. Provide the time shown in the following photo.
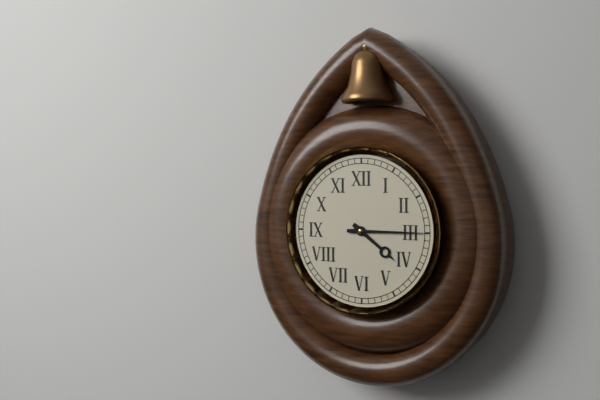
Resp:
4:15
